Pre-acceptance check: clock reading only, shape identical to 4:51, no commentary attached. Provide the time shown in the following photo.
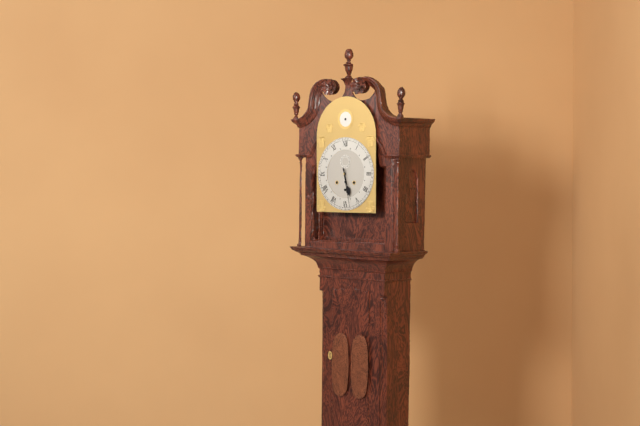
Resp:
5:28
